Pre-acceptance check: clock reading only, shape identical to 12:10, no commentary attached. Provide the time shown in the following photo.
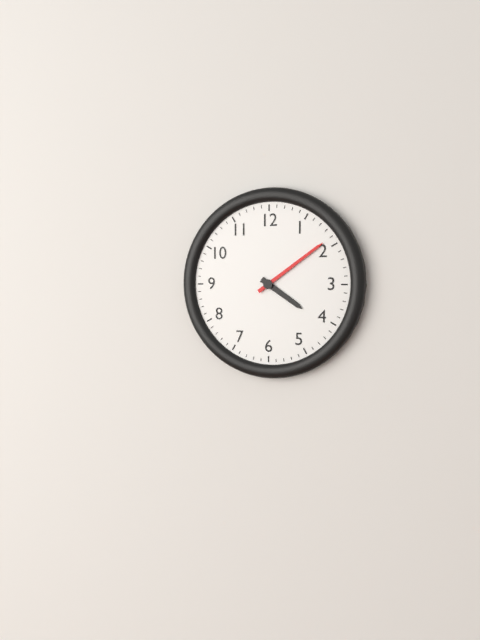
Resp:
4:09
